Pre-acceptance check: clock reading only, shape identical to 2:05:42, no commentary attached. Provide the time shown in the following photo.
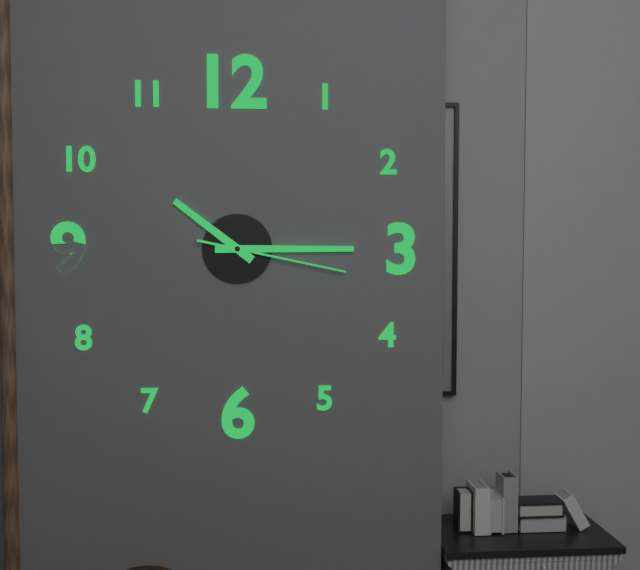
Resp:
10:15:17
